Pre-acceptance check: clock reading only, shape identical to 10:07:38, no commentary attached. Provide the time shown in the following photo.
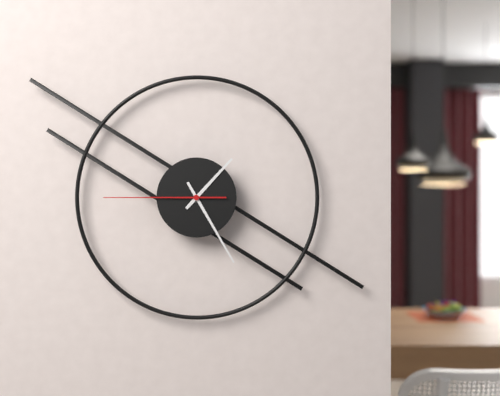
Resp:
1:25:45
